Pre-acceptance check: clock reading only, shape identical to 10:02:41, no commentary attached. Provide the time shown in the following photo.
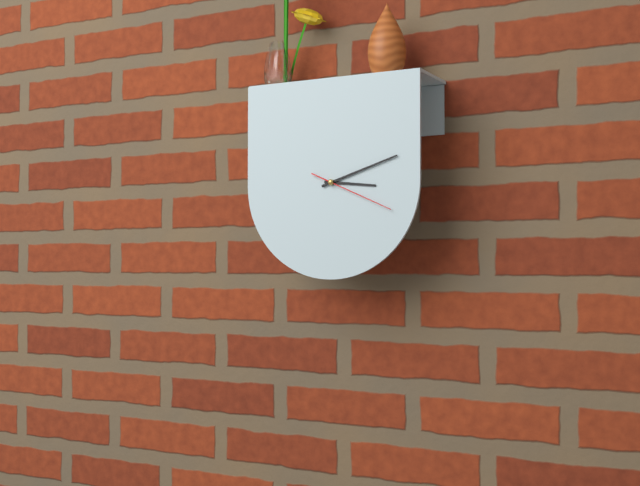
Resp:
3:12:19
